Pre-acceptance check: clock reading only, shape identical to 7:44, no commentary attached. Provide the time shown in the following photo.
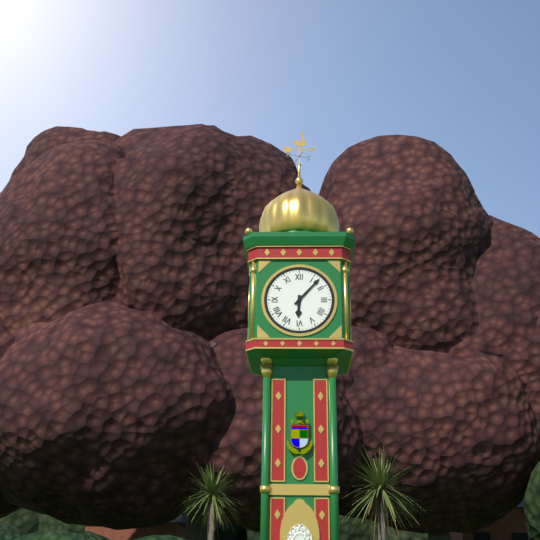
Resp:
6:07
